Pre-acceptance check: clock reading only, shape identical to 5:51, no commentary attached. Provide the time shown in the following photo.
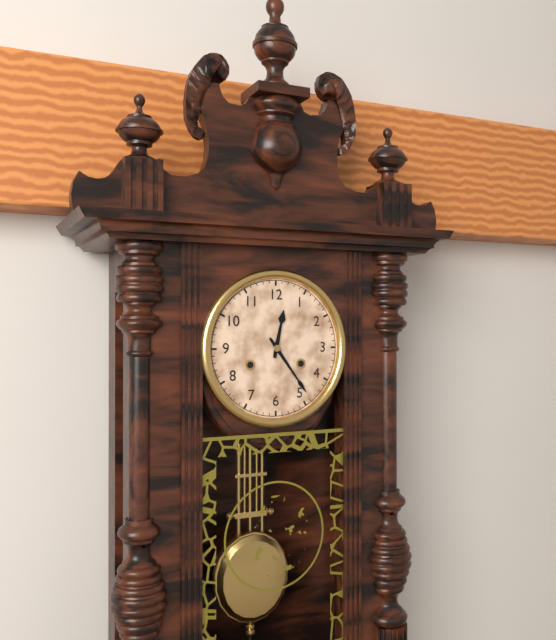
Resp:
12:24
